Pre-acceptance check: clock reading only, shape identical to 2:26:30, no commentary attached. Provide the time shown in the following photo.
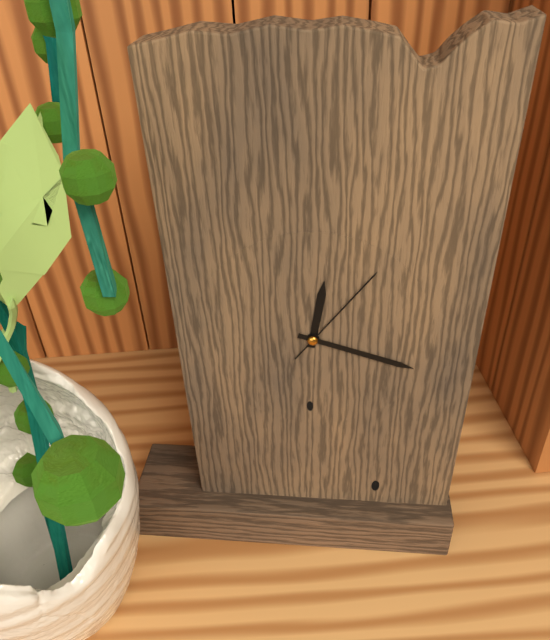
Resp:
12:18:06
